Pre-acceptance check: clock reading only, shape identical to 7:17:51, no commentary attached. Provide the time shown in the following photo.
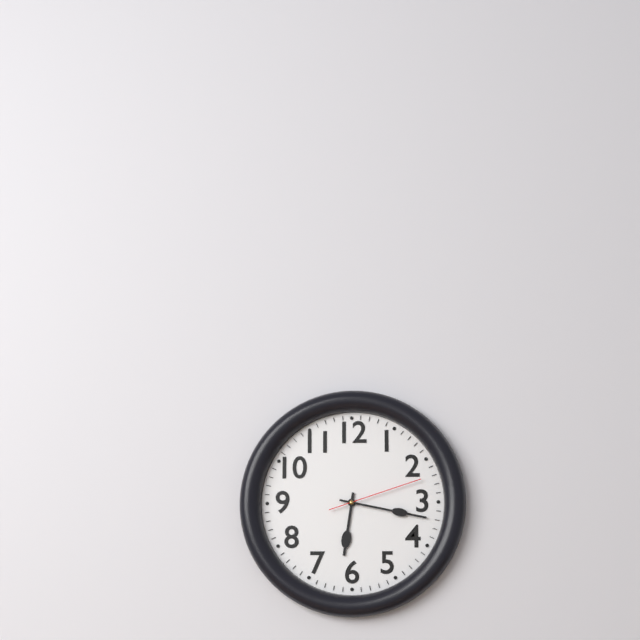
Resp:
6:17:12
